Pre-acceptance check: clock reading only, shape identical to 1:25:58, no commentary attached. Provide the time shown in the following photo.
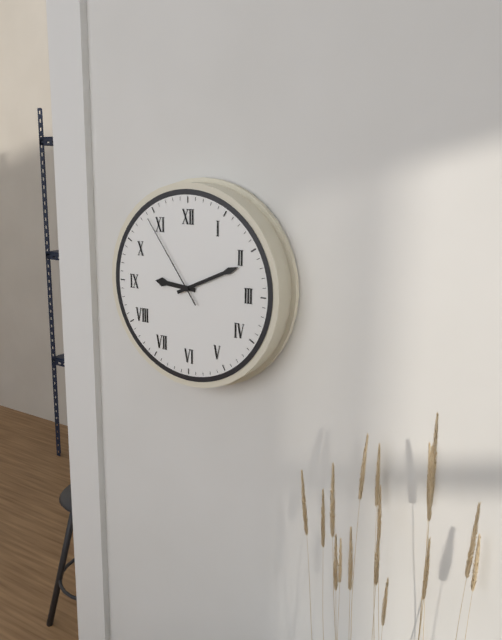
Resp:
9:11:54
